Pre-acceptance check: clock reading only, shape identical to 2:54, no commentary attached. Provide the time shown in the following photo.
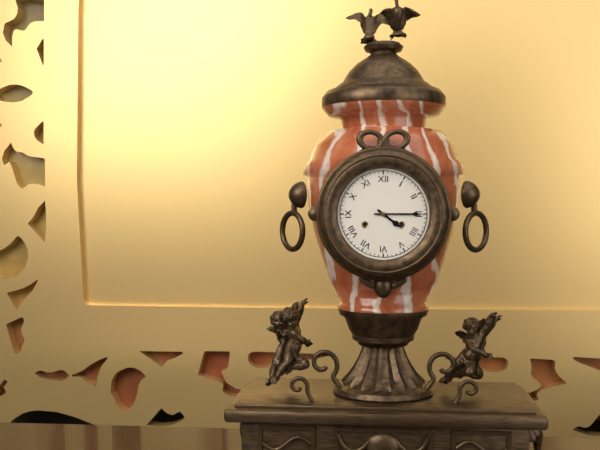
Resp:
4:15
